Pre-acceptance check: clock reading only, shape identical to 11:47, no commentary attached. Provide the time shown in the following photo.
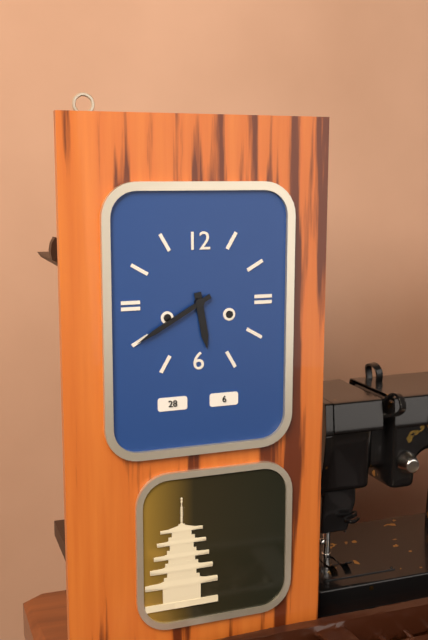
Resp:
5:40
